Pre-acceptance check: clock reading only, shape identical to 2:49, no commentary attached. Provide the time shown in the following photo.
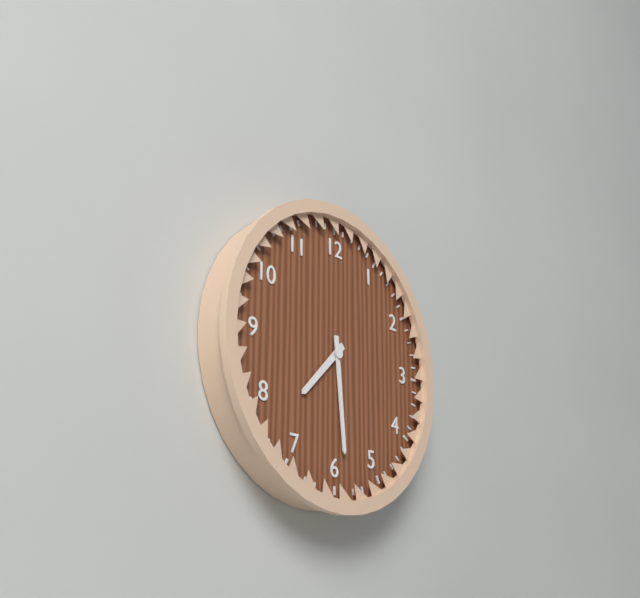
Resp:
7:29
